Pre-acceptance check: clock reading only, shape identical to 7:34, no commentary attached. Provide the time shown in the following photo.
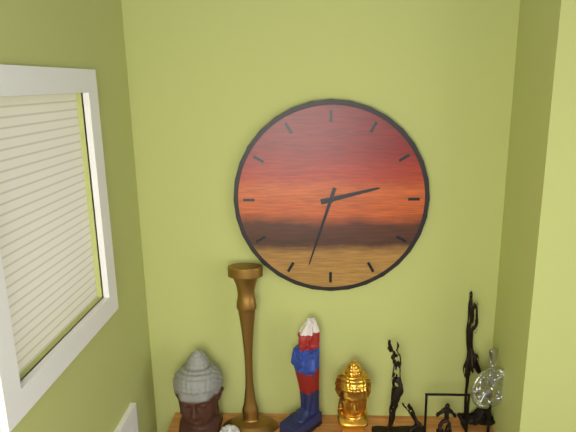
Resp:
2:33
